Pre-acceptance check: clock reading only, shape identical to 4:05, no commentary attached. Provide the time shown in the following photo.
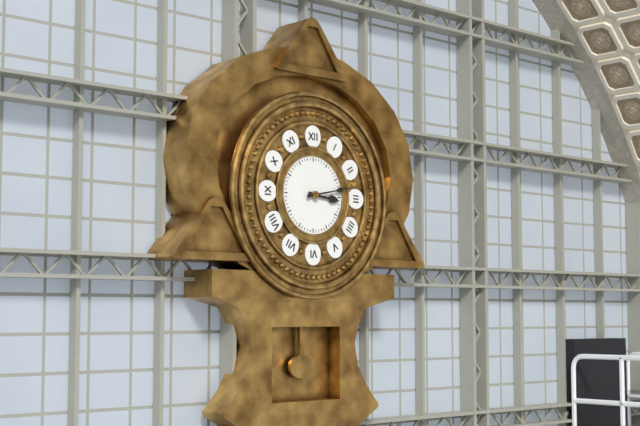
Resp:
3:13
